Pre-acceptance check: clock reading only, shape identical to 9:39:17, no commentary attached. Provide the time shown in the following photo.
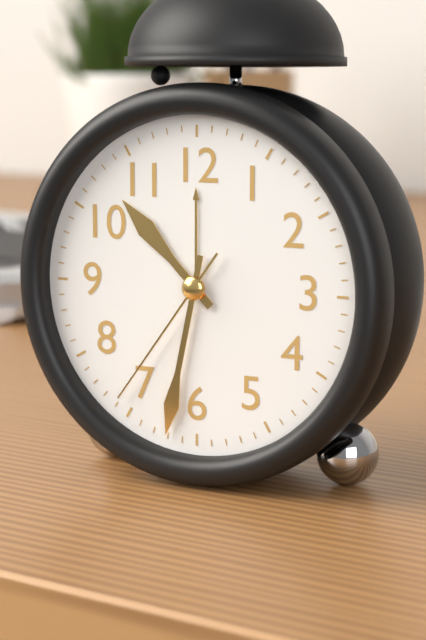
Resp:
10:32:36
